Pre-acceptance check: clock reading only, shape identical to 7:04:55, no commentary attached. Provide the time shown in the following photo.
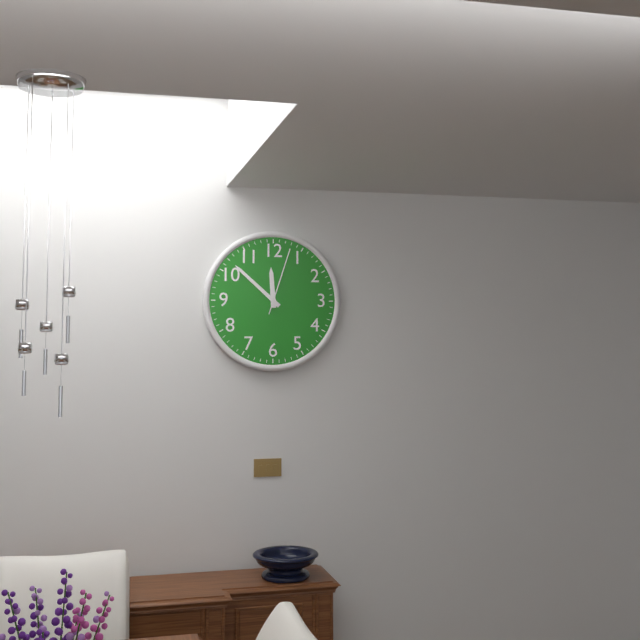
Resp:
11:52:03
